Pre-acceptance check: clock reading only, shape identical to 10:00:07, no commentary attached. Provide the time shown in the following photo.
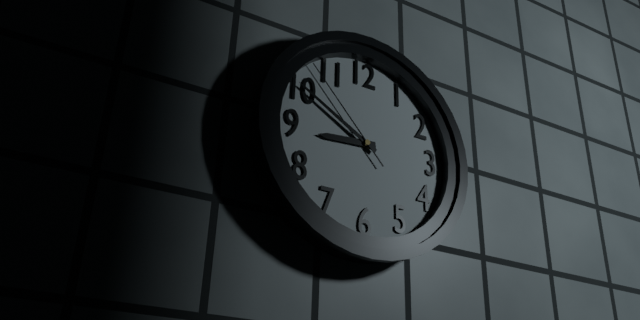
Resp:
8:50:53
